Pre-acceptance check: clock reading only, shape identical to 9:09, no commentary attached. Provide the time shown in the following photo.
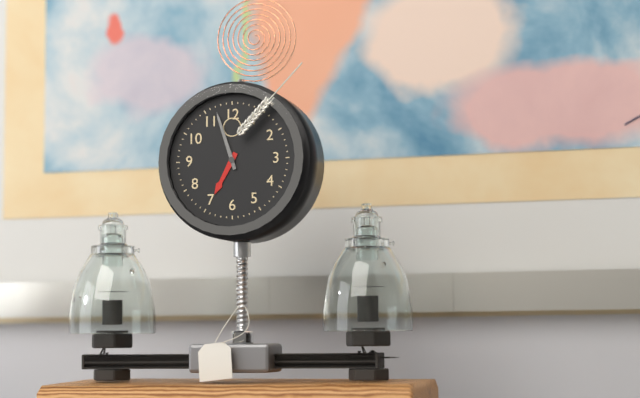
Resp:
6:57
